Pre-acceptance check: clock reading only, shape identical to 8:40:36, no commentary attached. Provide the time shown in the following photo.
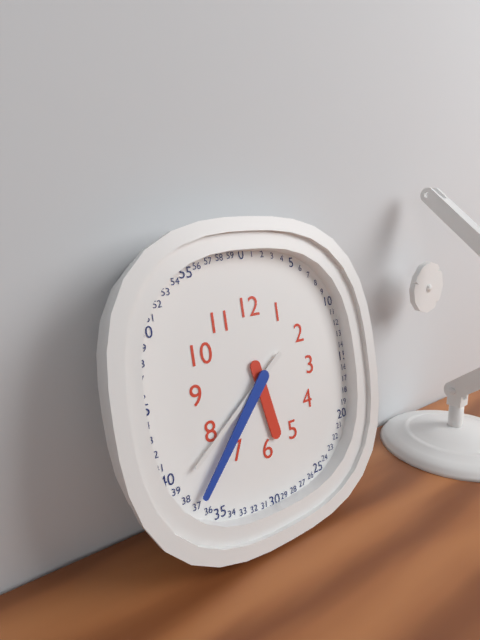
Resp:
5:37:39
